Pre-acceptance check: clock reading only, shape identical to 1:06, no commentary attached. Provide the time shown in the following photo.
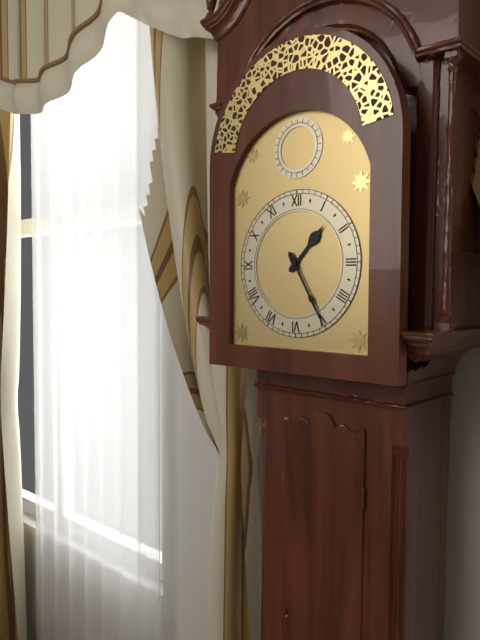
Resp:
1:25
